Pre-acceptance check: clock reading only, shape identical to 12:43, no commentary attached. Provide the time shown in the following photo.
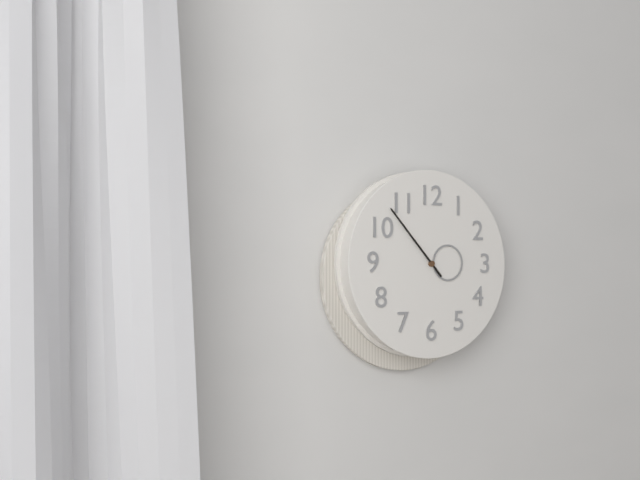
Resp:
2:53
